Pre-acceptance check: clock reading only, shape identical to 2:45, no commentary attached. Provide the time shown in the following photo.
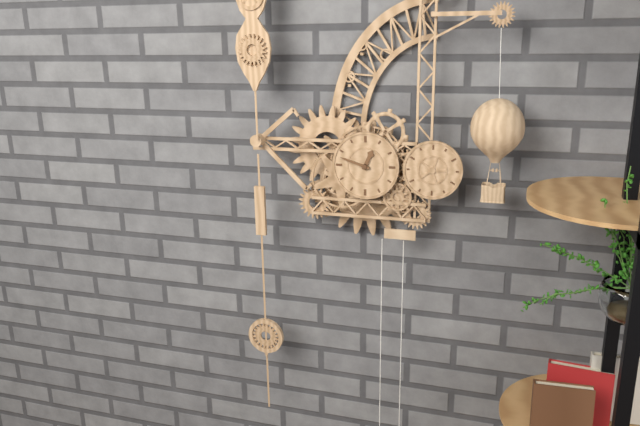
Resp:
12:48
